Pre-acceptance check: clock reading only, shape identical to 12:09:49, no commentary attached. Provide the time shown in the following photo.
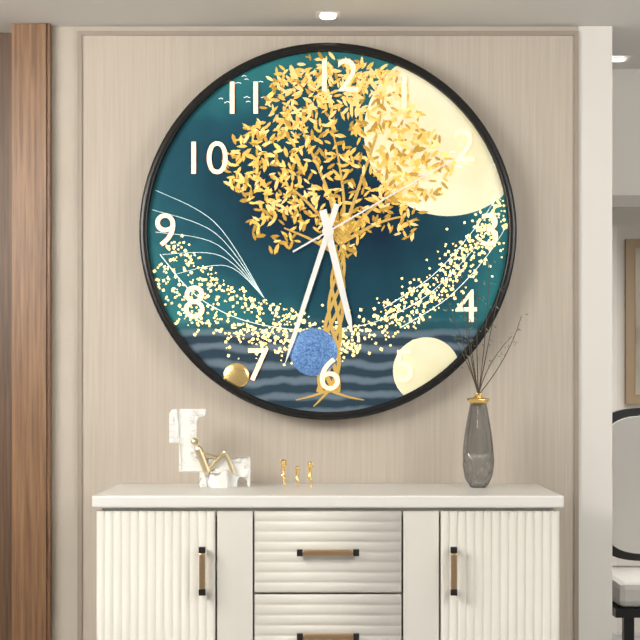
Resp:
5:33:10
